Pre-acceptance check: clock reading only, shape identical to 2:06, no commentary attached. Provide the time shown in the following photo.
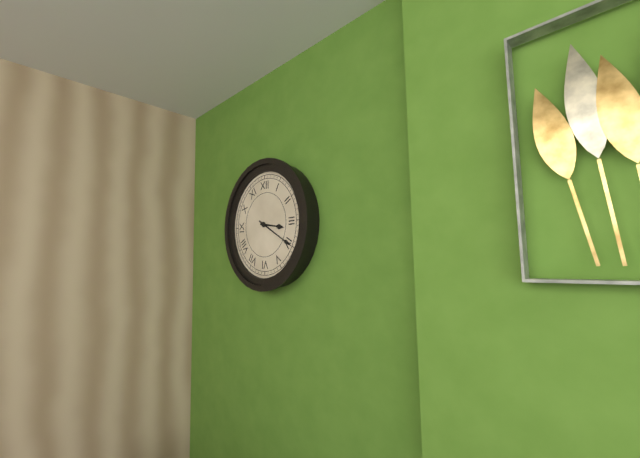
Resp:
3:20
